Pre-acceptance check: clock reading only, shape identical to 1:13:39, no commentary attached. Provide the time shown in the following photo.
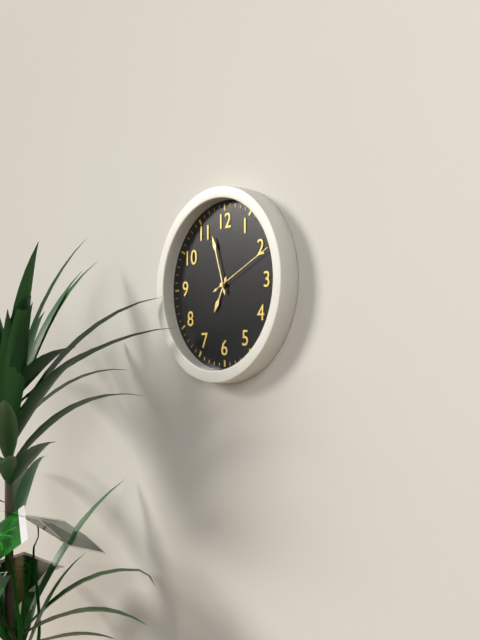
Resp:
6:57:11
